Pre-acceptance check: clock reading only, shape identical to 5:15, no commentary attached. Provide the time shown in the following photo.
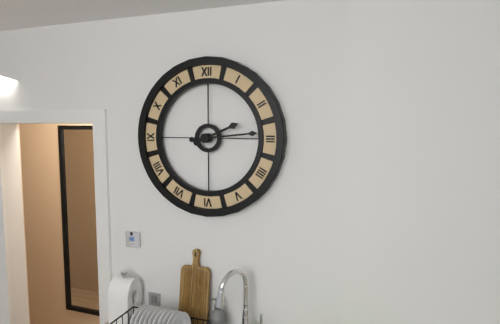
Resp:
2:14
